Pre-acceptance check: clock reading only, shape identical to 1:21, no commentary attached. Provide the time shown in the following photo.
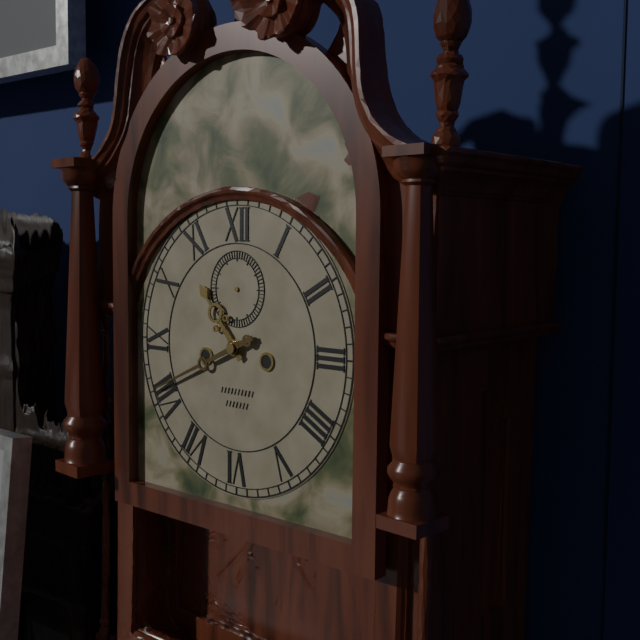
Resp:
10:41
